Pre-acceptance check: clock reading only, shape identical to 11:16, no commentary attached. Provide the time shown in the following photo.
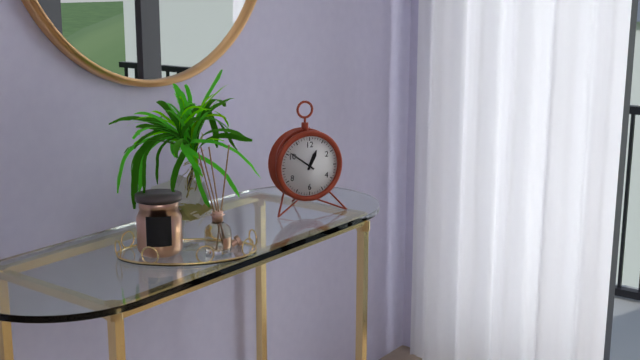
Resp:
12:51
